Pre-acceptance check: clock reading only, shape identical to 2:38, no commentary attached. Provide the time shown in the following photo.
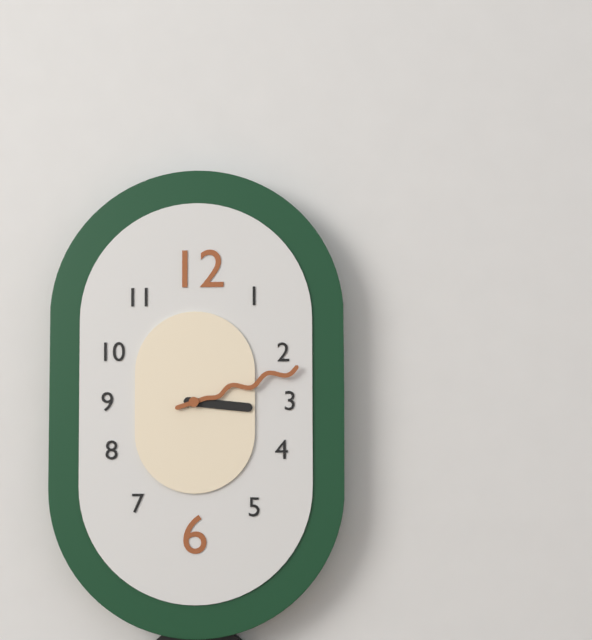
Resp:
3:12
